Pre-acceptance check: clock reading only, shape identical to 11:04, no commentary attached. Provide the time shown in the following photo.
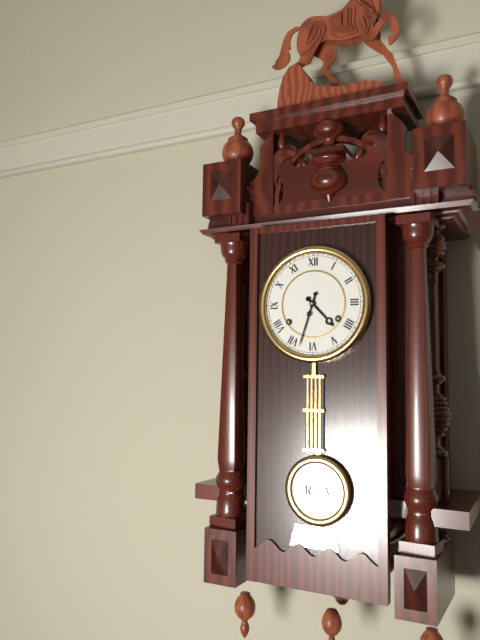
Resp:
4:33
